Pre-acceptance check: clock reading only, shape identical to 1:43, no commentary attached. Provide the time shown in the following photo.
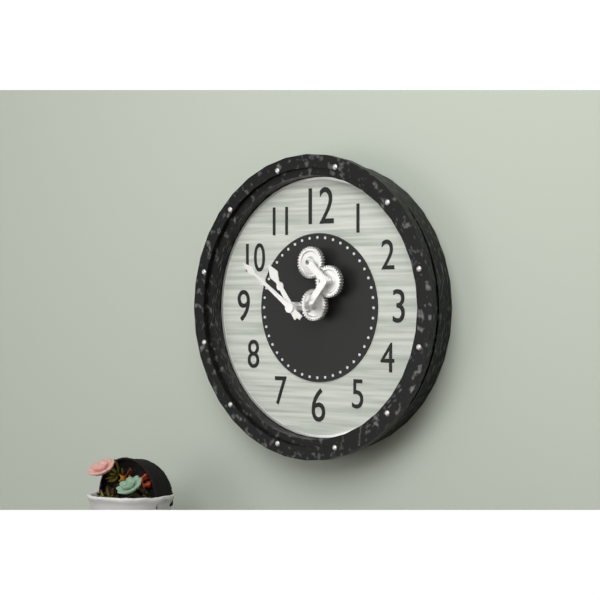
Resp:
10:51
